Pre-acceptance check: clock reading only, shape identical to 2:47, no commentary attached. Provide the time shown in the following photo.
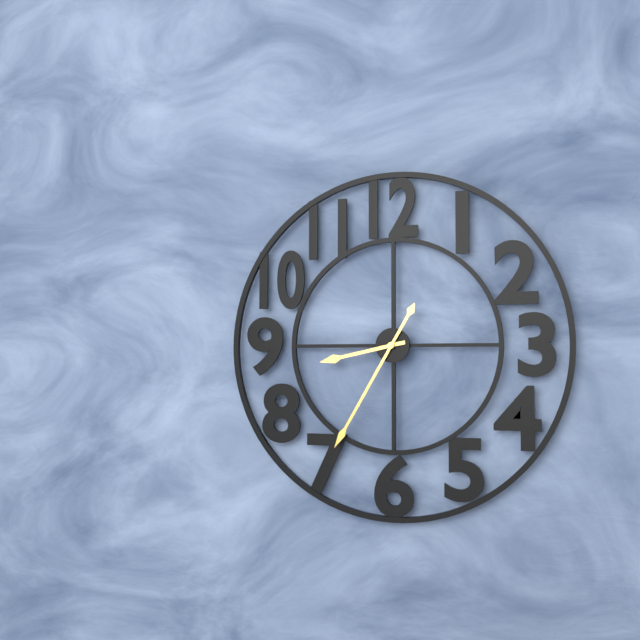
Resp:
8:35
